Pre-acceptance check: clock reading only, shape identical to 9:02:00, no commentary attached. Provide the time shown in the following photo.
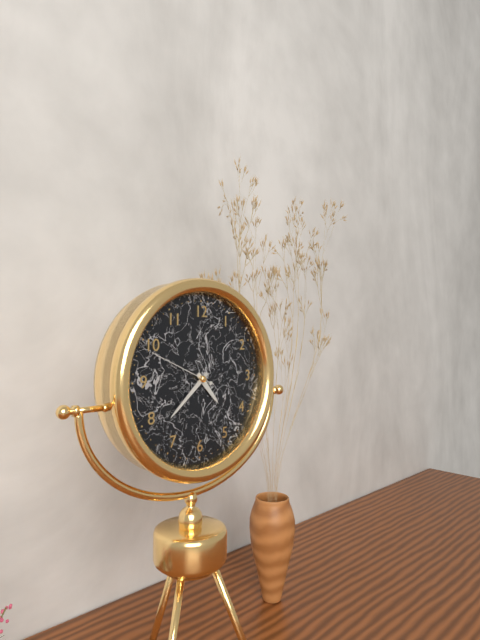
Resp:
4:38:49
